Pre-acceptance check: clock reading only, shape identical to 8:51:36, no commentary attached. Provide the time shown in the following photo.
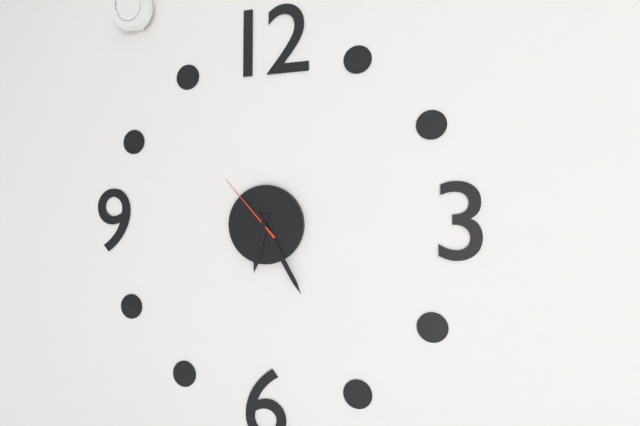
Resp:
6:25:53
